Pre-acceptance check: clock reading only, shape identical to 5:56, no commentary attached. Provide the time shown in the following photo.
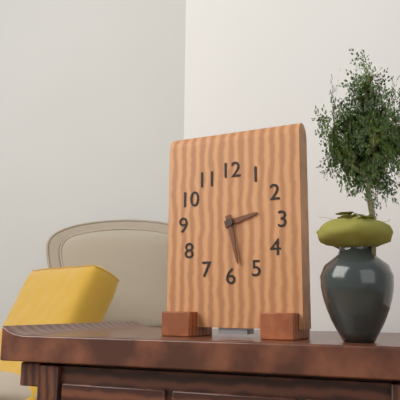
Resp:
2:28
